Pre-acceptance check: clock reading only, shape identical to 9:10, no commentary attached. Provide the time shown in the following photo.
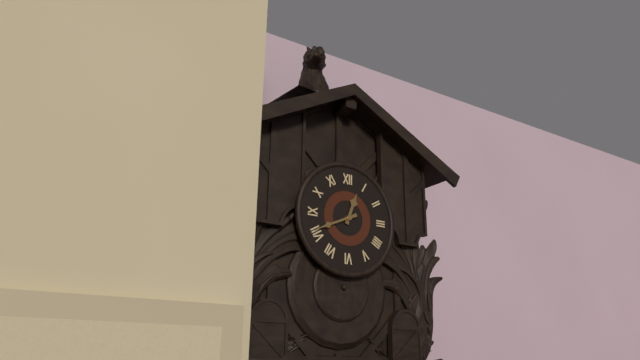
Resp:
12:41
